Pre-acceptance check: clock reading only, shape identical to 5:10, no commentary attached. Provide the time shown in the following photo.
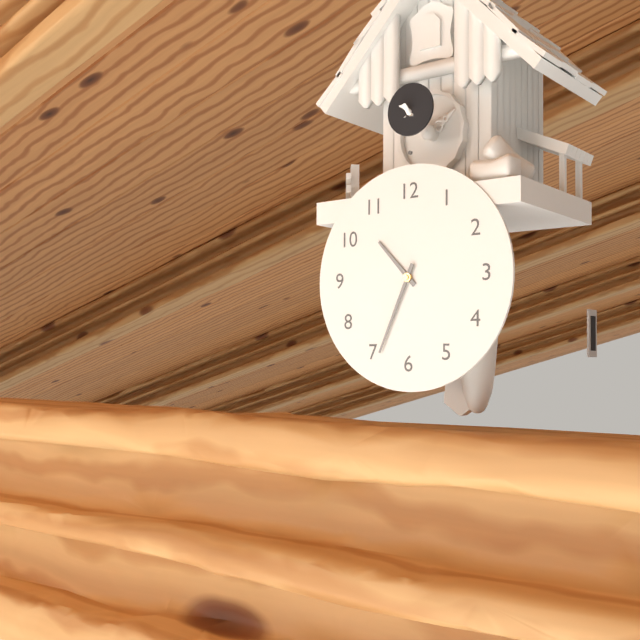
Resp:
10:34
